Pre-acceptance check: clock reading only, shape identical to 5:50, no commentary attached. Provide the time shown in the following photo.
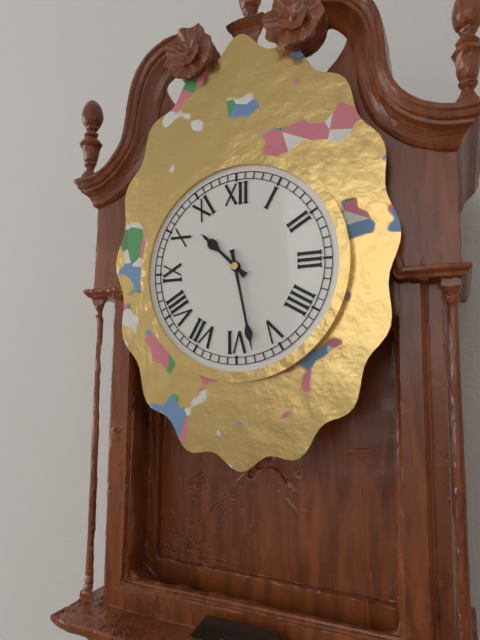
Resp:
10:28
